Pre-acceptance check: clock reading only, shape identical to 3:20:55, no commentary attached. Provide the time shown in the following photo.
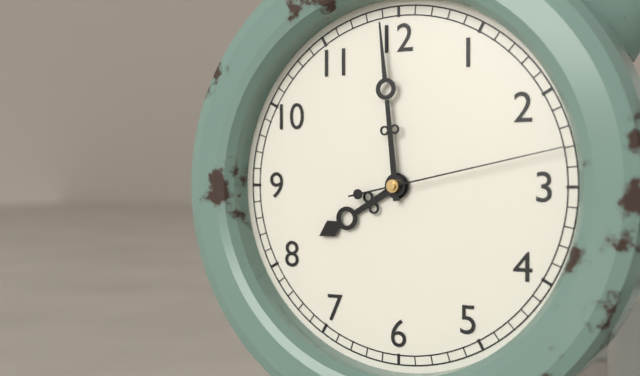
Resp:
7:59:13
